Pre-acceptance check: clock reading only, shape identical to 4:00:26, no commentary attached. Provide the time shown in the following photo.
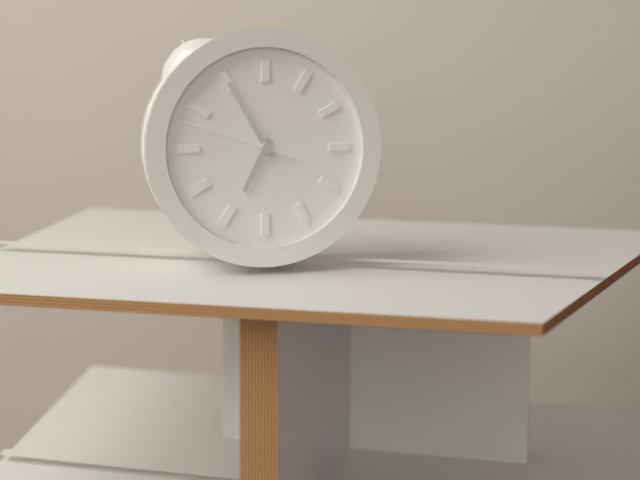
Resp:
6:55:48
